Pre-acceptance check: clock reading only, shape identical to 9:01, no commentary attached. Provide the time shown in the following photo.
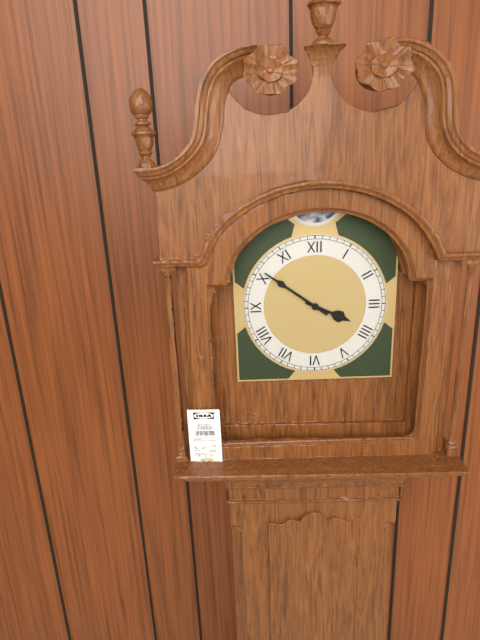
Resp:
3:51
